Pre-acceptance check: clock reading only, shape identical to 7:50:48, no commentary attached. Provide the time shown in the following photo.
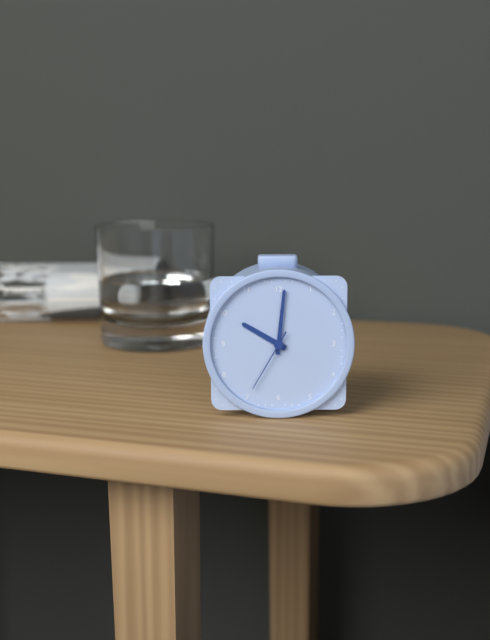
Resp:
10:01:35
